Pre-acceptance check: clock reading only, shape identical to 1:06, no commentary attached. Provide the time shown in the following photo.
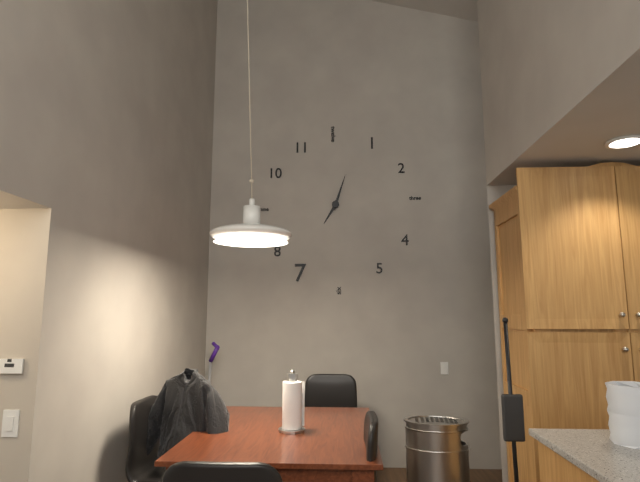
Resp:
7:03
